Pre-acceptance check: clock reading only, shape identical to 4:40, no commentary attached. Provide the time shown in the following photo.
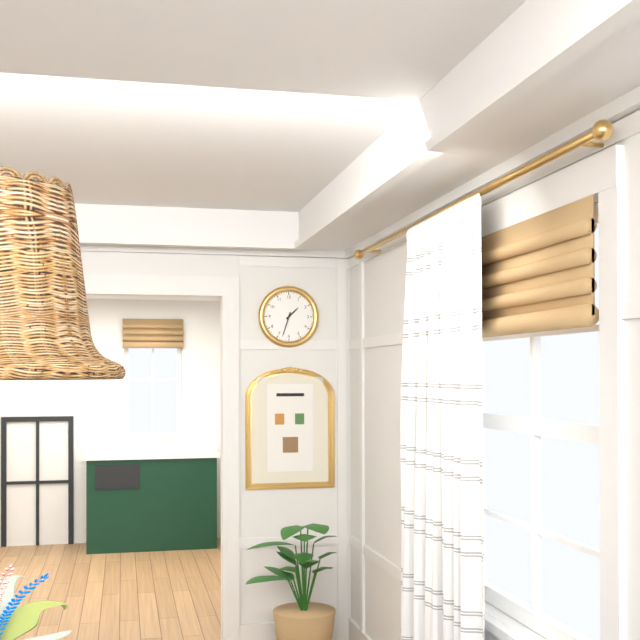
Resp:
1:33
